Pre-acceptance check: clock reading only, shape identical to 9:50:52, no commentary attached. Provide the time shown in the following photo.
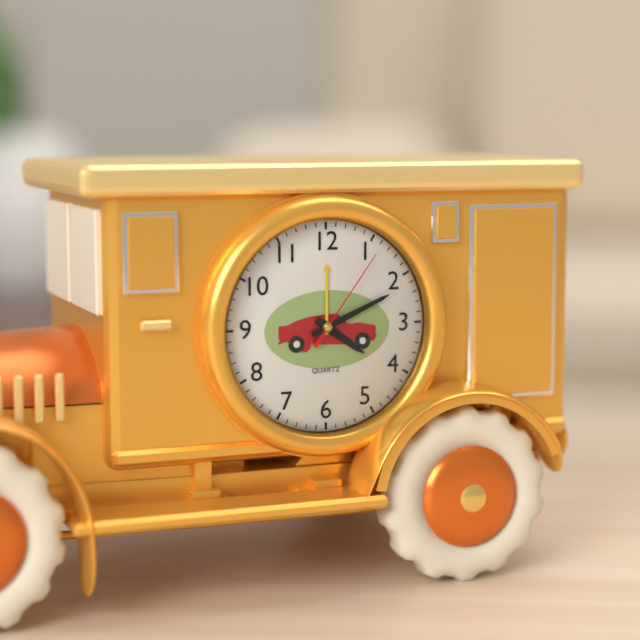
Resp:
4:11:06
